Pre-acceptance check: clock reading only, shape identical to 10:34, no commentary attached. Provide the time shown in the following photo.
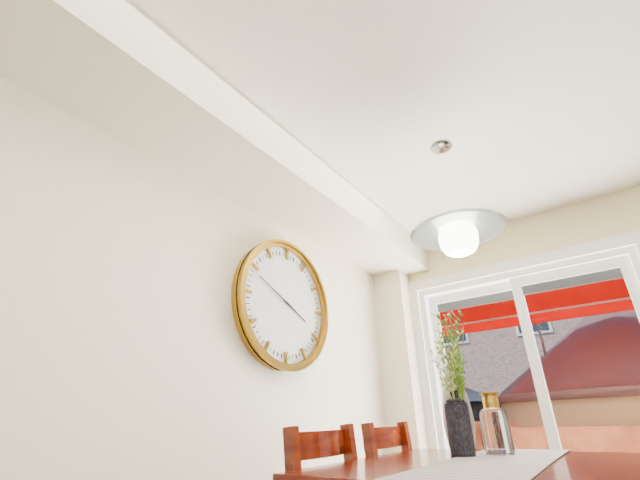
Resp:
3:49
